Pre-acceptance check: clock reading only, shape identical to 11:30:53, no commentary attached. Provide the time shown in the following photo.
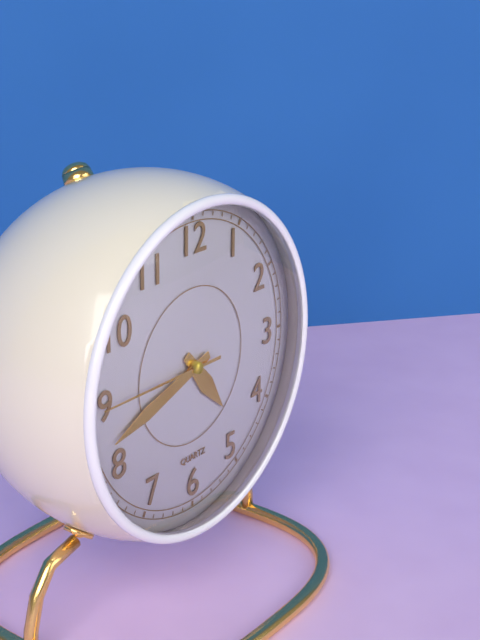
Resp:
4:42:45
